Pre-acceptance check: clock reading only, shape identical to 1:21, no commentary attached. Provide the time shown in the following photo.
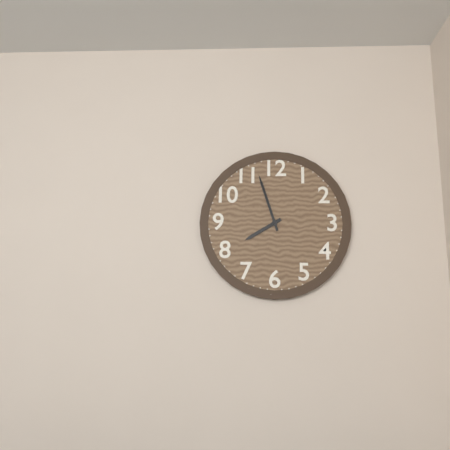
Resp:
7:57
